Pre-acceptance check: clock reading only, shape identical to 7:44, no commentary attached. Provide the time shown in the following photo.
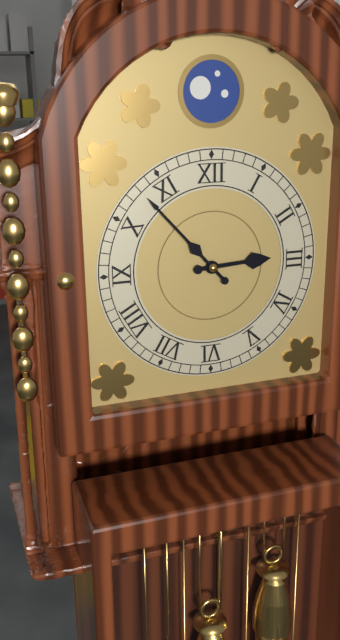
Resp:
2:53
